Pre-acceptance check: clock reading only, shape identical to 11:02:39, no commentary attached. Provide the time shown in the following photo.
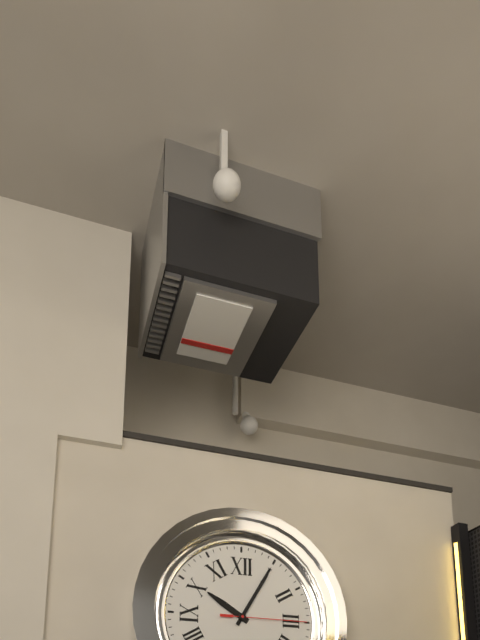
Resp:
10:05:15
